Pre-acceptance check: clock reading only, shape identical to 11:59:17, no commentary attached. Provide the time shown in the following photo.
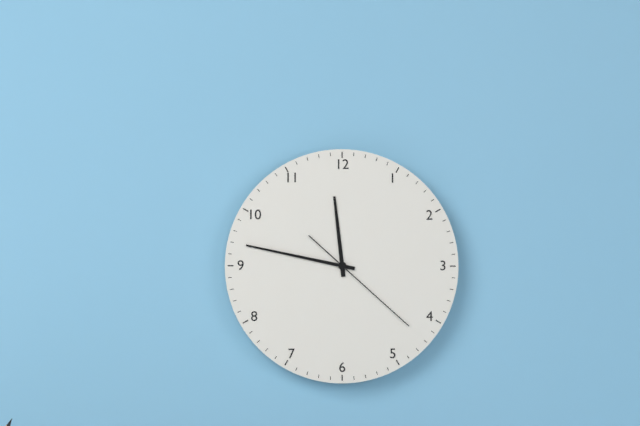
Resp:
11:47:22
